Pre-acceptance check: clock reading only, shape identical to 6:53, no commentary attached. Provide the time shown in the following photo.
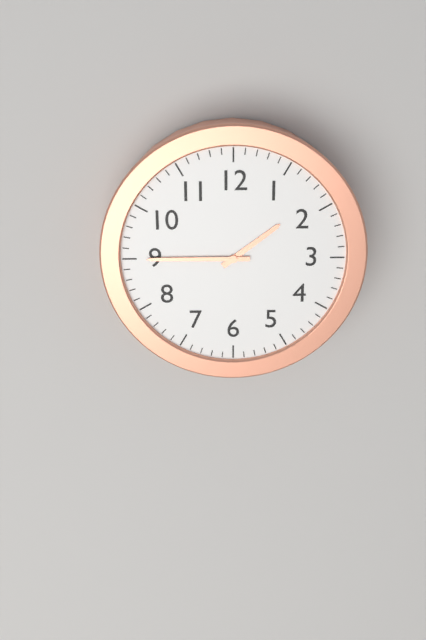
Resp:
1:45
